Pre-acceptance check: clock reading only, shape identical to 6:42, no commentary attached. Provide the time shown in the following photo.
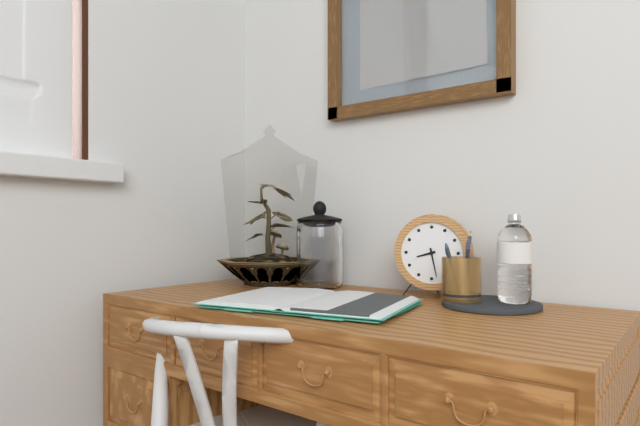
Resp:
8:28
